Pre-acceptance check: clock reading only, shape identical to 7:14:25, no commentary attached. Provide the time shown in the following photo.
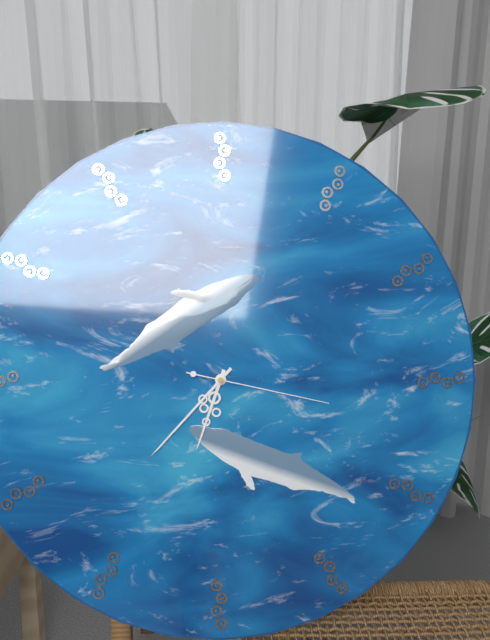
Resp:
6:37:17
